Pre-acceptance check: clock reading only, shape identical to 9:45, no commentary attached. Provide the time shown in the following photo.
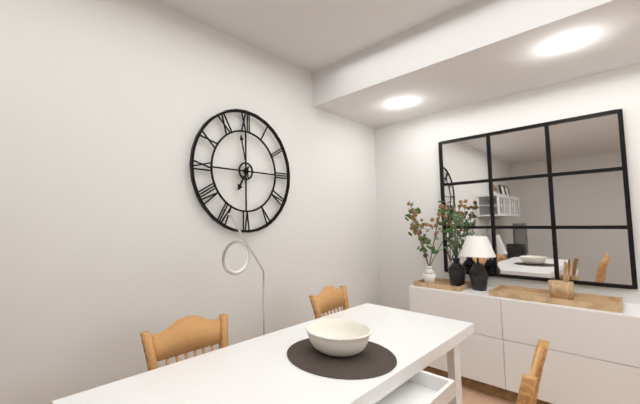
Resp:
6:58
